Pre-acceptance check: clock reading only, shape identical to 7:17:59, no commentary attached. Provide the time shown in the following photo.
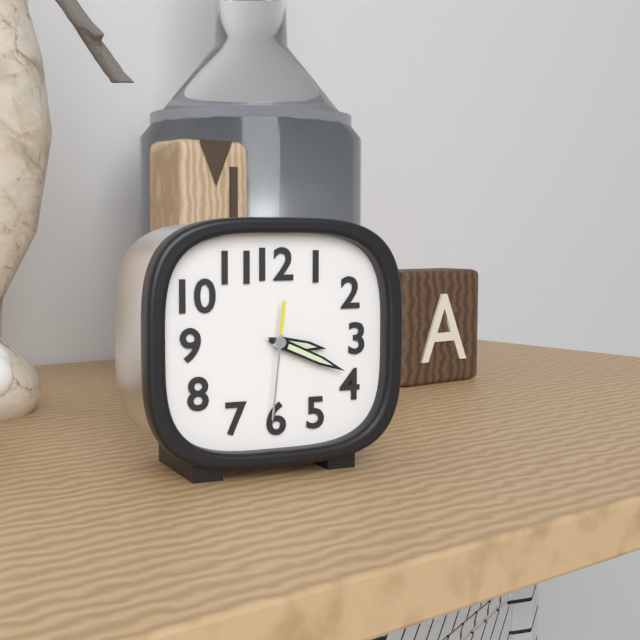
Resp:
3:19:31
